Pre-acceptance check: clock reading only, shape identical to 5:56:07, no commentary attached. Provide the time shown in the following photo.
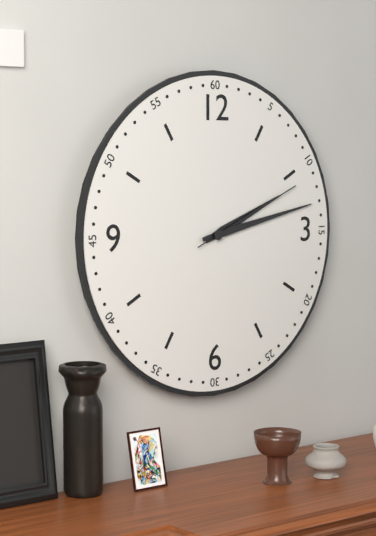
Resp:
2:13:11
